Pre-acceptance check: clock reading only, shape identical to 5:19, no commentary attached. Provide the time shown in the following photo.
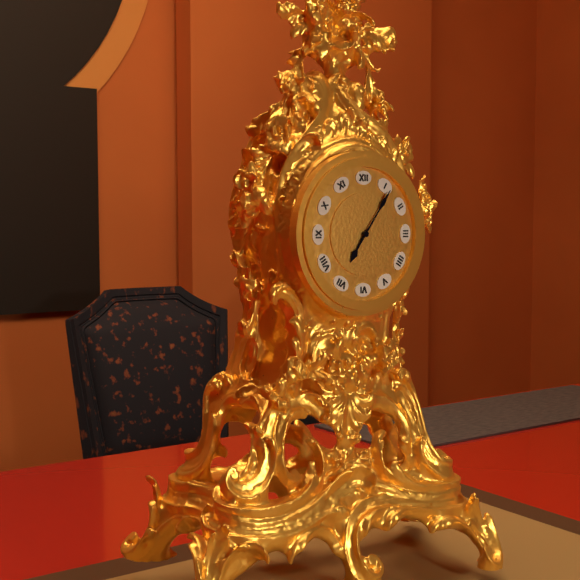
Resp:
7:06
